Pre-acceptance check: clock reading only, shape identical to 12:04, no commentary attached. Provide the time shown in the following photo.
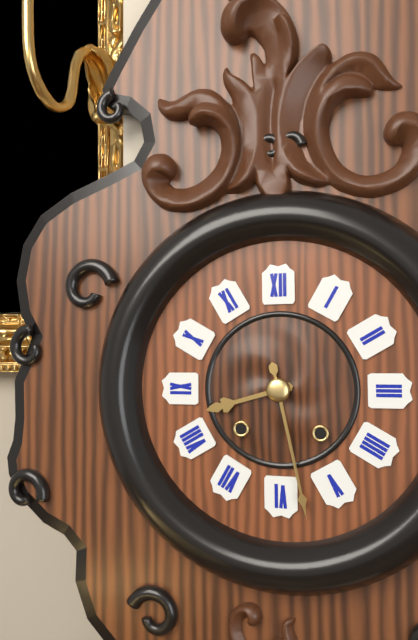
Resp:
8:28
